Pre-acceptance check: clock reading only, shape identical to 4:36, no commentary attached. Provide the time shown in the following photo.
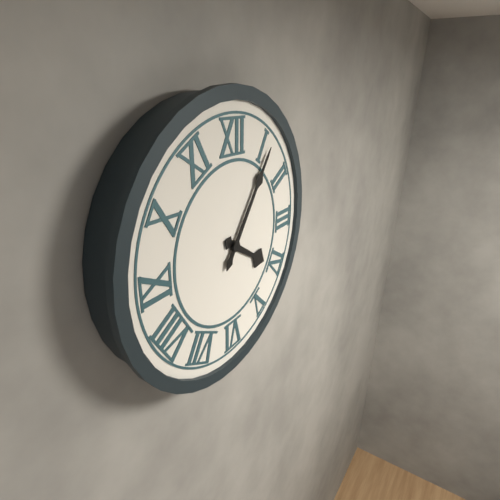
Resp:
4:06
